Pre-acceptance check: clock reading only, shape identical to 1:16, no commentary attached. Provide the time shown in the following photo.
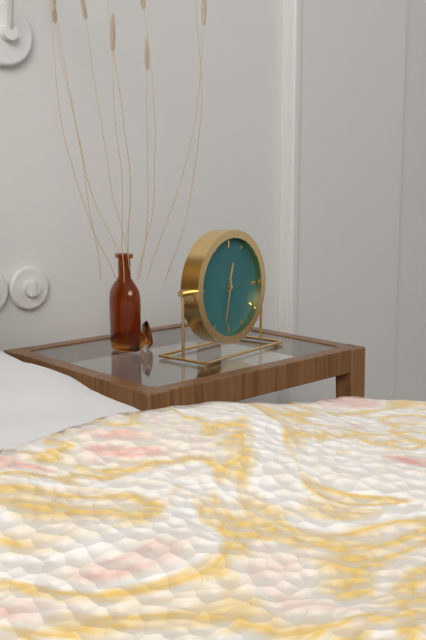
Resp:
12:32
